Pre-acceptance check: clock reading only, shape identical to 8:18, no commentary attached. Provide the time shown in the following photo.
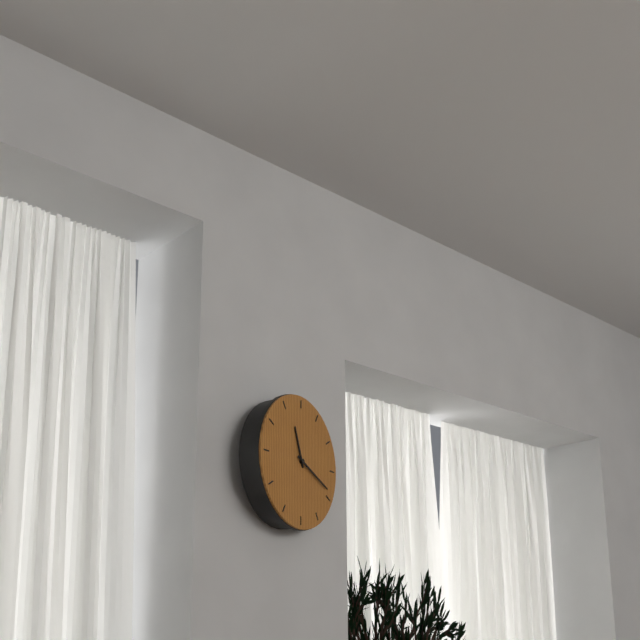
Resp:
11:19
